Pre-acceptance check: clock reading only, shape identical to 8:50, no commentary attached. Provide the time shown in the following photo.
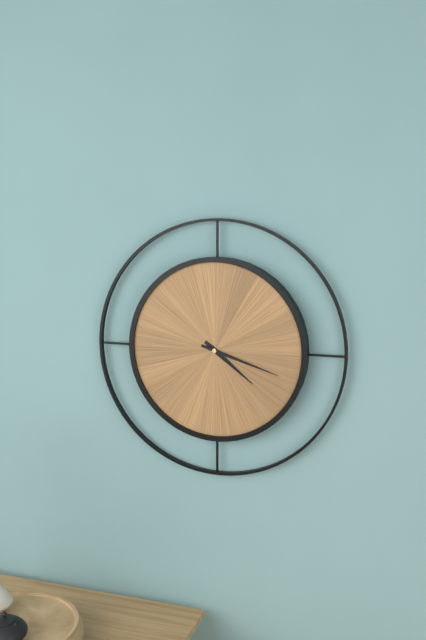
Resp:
4:18
